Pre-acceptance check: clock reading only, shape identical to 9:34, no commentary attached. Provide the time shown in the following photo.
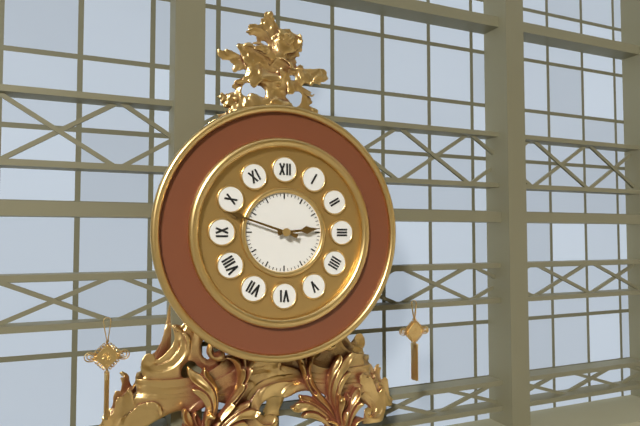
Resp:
2:48
